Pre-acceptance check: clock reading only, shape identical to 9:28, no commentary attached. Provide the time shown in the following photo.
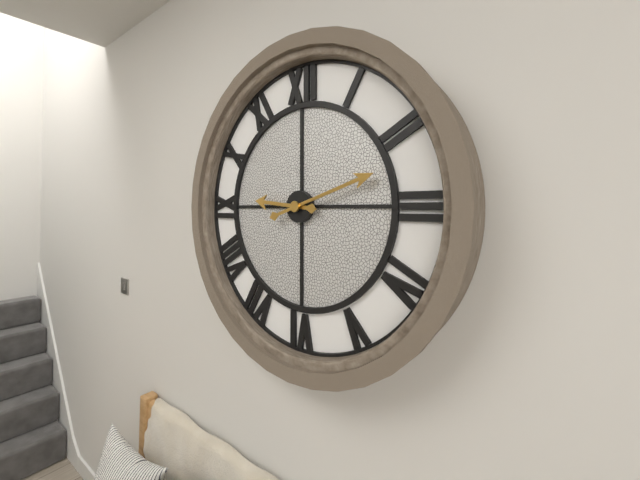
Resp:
9:12
